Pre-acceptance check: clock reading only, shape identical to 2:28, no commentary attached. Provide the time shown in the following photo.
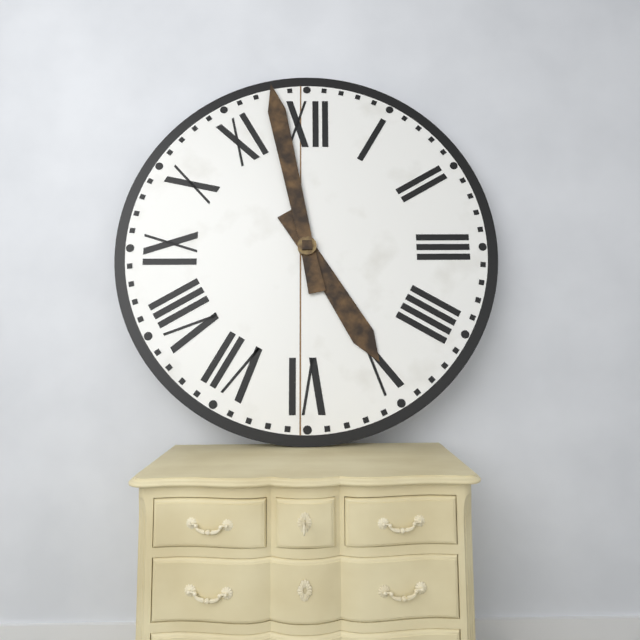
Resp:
4:58
